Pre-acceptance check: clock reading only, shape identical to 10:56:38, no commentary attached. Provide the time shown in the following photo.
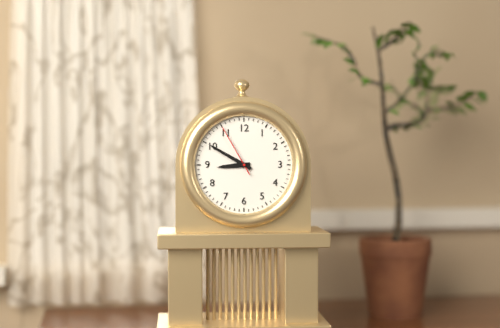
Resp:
8:50:55
